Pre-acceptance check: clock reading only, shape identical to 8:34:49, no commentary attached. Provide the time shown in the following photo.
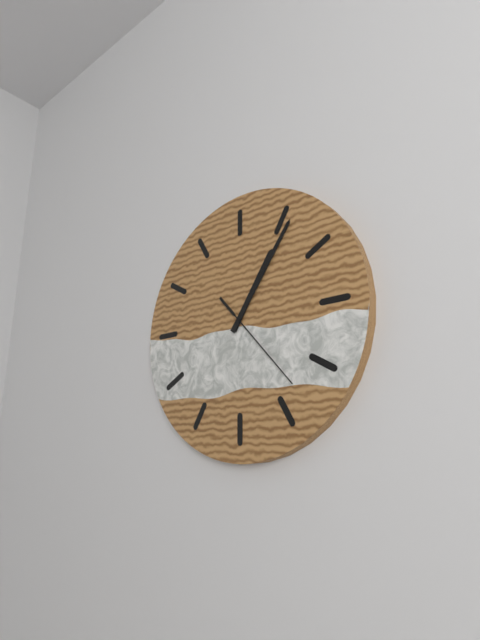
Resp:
1:06:23
